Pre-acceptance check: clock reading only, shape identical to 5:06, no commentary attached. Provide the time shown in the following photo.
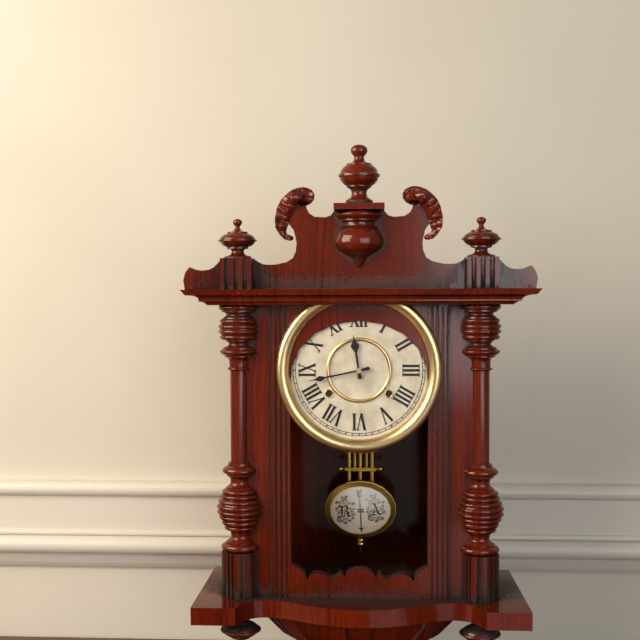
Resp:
11:43
